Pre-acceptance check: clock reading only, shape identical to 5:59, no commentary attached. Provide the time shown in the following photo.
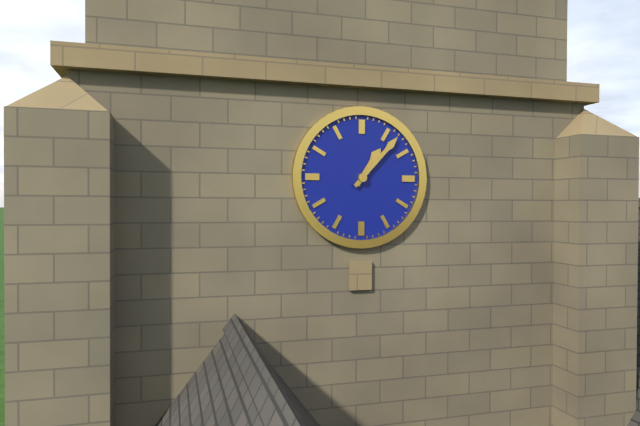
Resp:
1:07
